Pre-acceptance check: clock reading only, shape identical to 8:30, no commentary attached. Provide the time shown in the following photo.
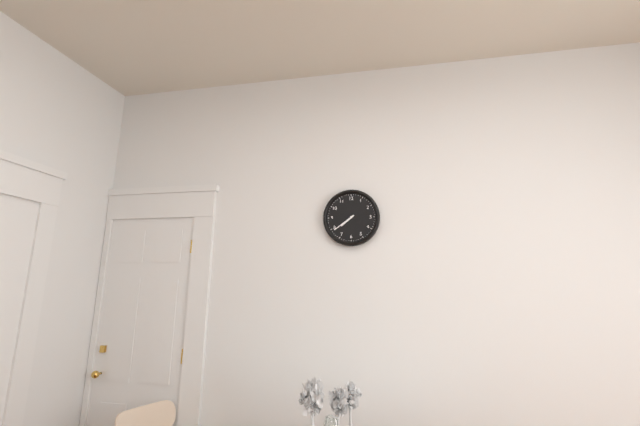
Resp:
7:39
